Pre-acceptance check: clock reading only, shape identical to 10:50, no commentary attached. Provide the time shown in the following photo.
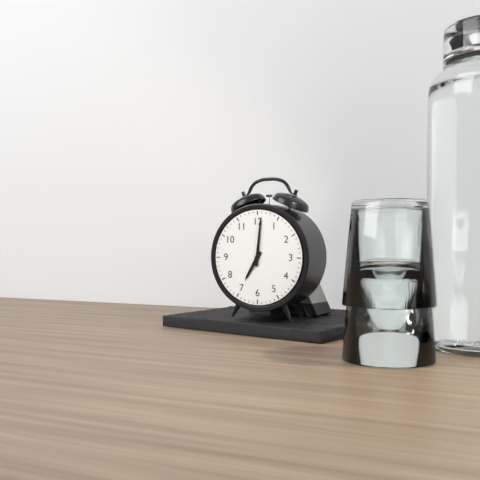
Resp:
7:01
